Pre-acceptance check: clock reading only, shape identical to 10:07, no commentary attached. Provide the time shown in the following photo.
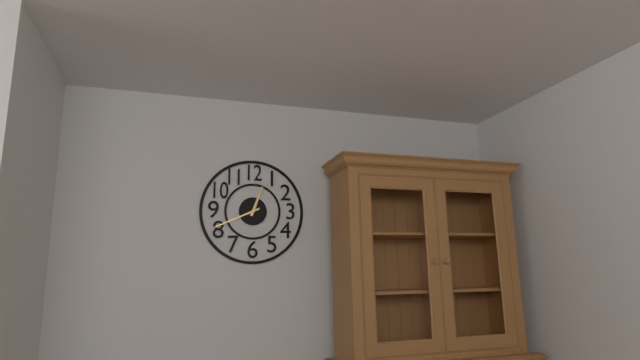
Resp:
12:41
